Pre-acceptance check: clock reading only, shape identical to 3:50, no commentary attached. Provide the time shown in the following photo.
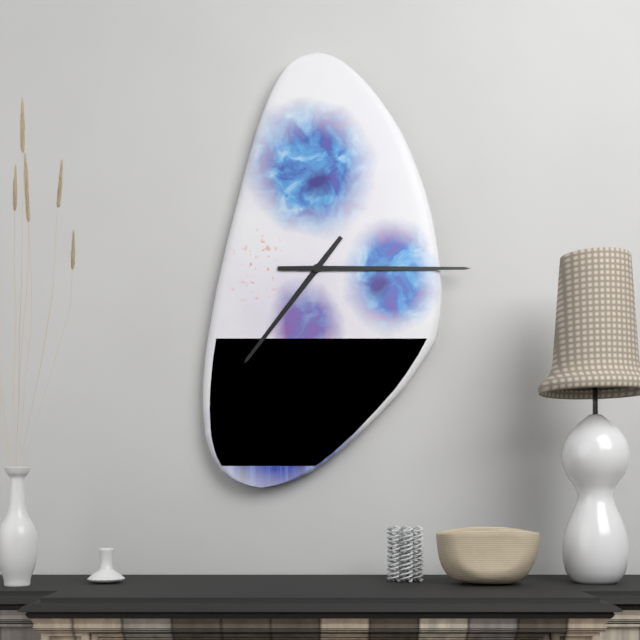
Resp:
7:15
